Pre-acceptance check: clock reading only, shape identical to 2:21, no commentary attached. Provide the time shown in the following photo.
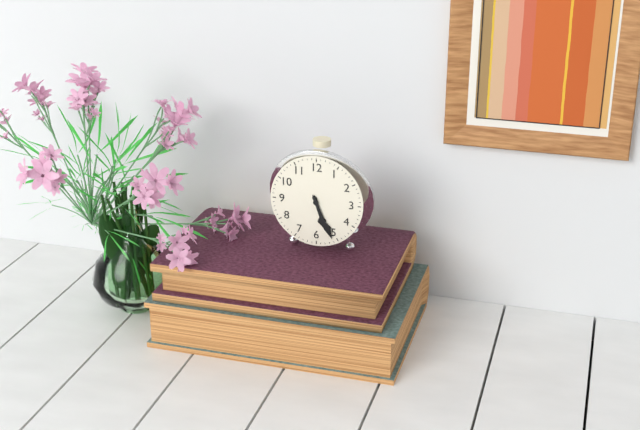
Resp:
5:26
